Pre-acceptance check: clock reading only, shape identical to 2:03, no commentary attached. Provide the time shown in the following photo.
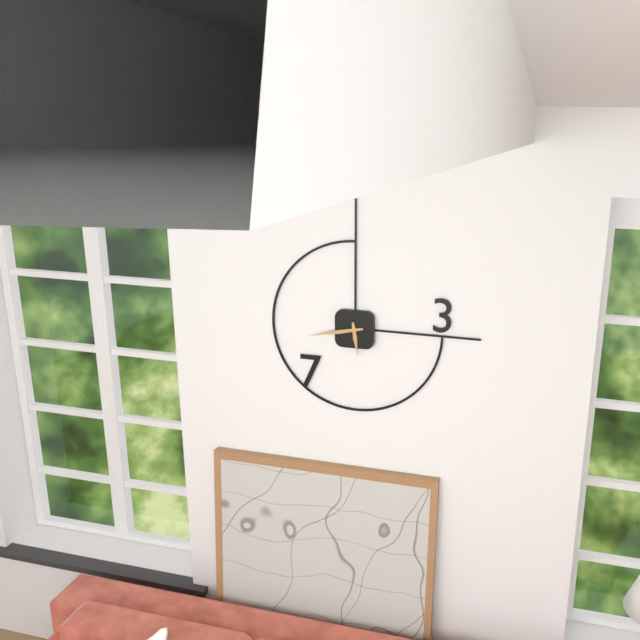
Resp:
5:43
